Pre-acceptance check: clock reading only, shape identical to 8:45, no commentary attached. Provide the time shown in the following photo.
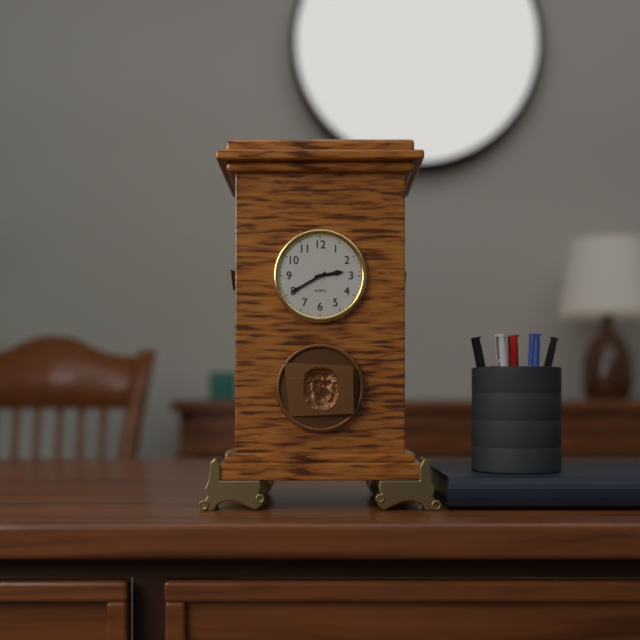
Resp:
2:40
